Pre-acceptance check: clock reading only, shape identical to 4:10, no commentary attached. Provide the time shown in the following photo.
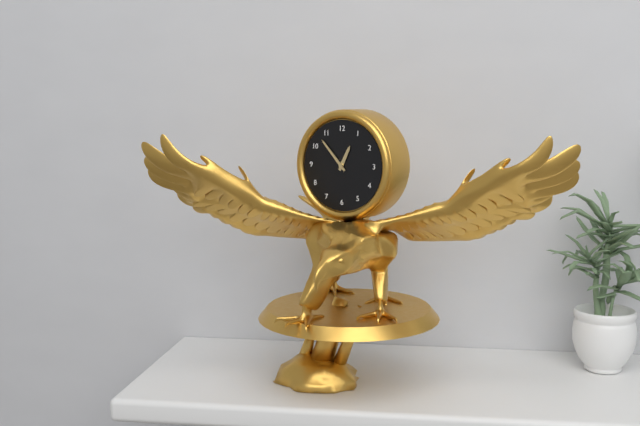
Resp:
12:53
